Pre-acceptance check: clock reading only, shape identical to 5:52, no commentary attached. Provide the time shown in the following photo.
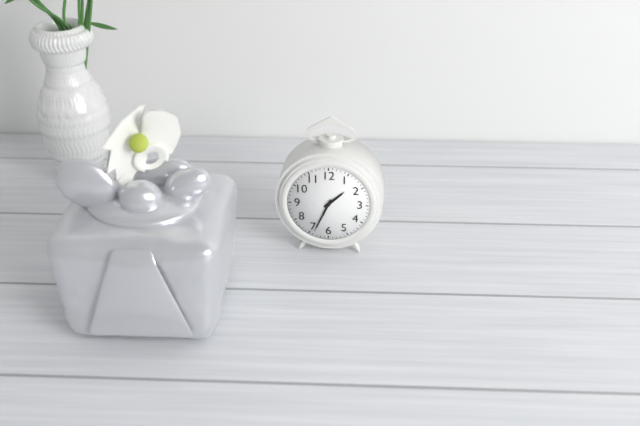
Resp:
1:34
